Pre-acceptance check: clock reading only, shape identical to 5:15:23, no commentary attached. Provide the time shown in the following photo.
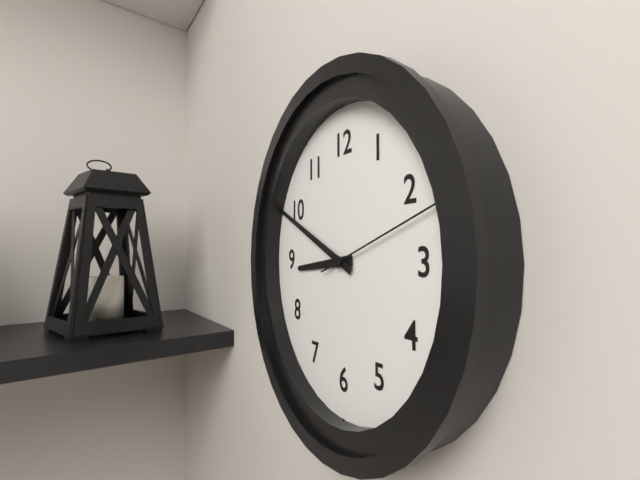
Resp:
8:49:12
